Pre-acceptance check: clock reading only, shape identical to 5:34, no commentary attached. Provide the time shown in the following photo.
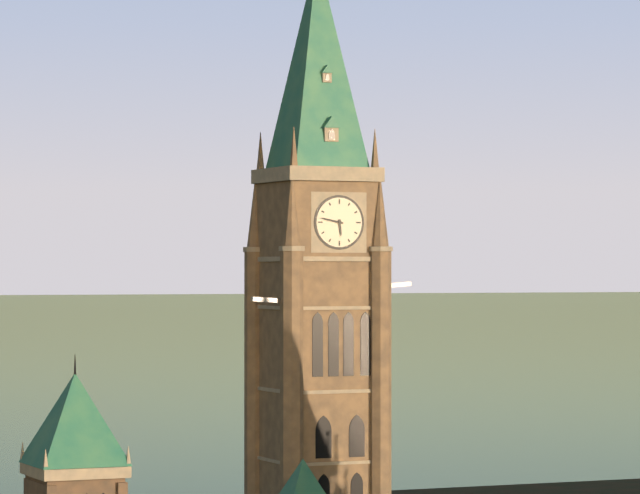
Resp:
5:47
